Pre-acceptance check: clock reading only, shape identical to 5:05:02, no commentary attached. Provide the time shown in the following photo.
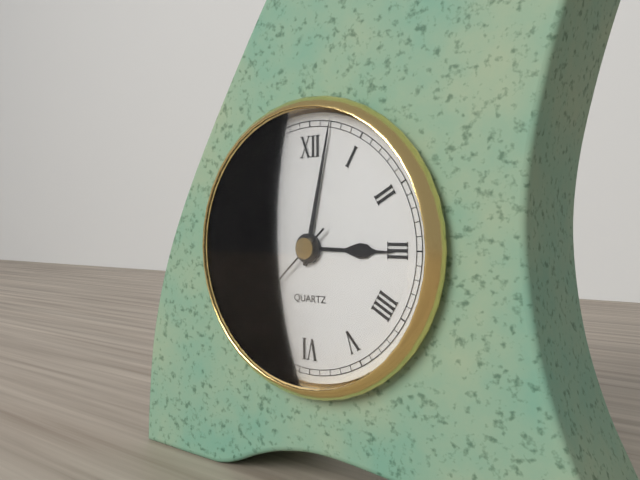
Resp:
3:02:38
